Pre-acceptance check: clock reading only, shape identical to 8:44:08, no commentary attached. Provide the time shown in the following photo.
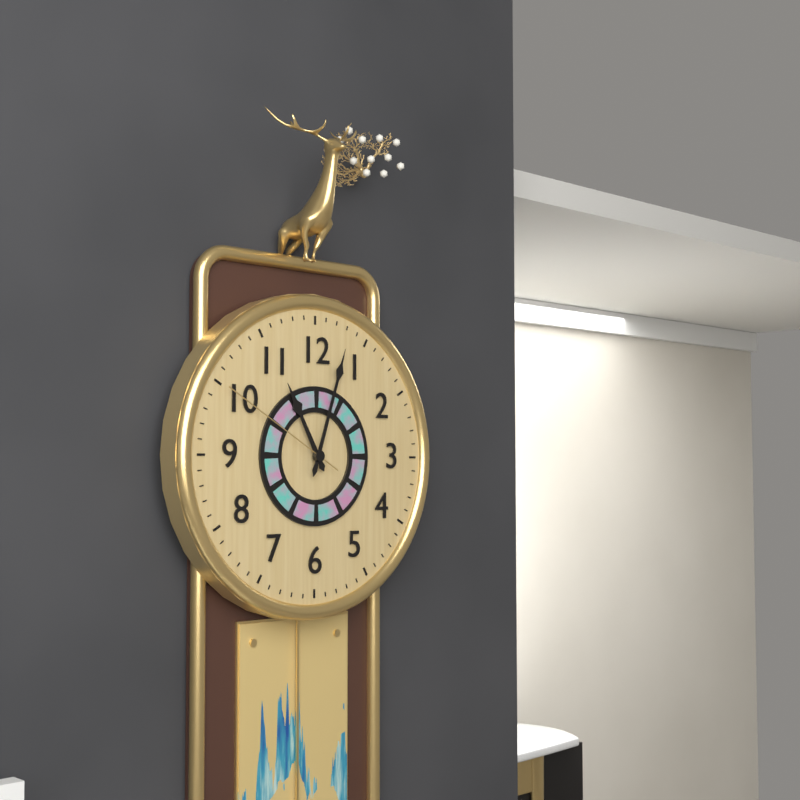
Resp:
11:03:50
